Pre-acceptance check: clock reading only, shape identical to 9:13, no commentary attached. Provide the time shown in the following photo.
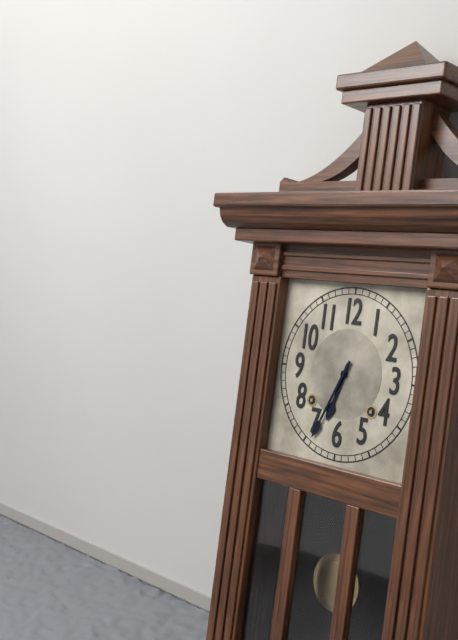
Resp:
6:34
